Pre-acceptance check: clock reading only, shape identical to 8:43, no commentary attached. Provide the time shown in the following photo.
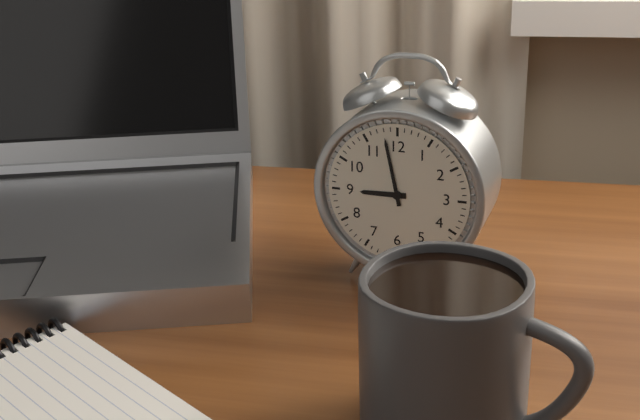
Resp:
8:58
